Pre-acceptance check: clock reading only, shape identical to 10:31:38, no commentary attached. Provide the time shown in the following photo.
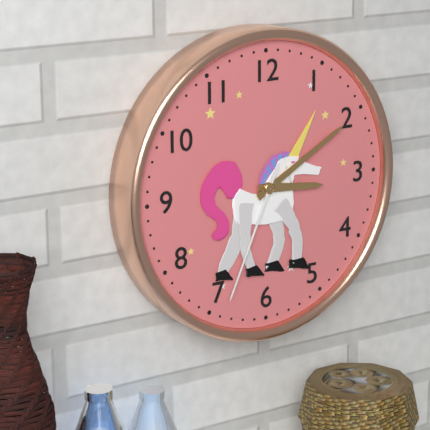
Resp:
3:10:34
